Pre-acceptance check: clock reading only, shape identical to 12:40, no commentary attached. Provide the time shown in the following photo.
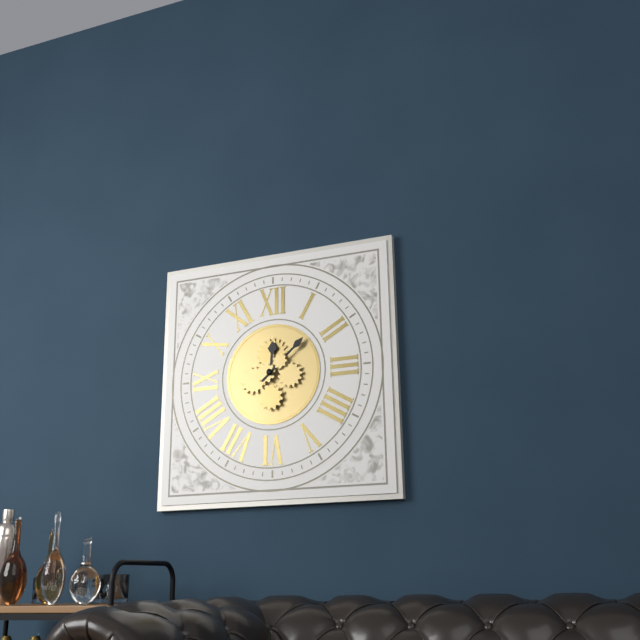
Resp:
12:08
